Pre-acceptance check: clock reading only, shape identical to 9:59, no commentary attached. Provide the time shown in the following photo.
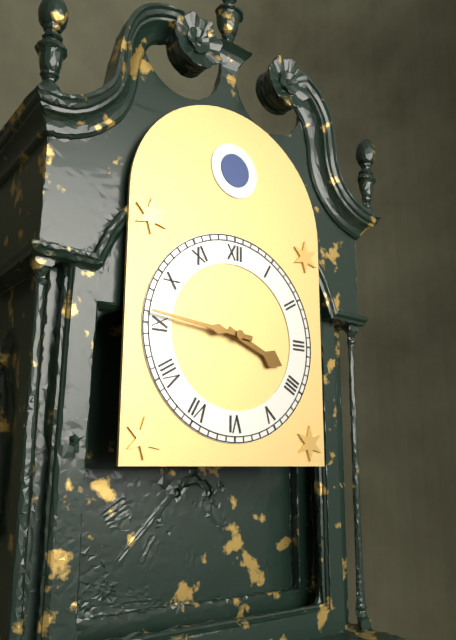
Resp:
3:46
